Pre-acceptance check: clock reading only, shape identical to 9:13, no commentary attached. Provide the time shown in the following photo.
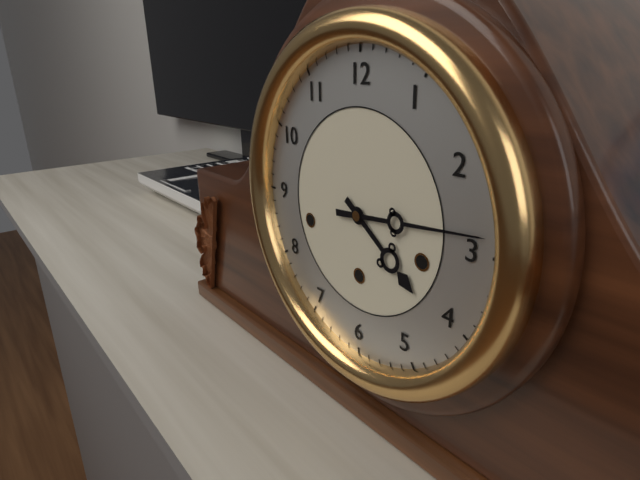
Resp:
4:14
